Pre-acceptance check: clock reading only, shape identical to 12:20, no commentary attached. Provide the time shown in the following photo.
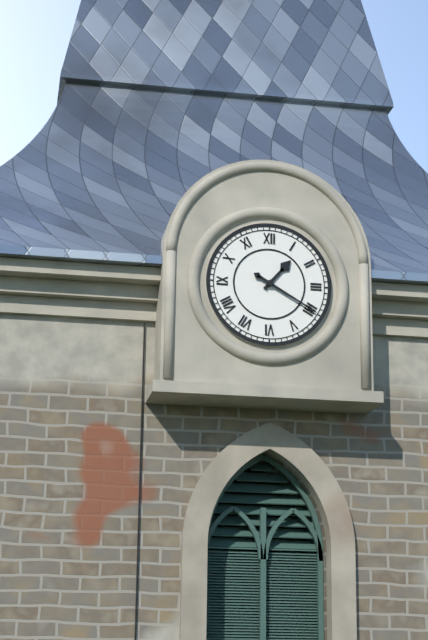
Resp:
1:20
